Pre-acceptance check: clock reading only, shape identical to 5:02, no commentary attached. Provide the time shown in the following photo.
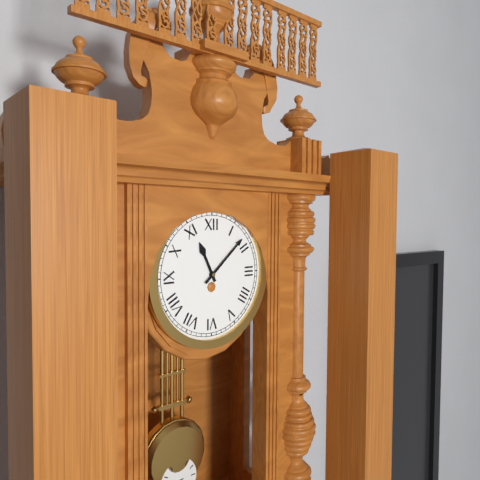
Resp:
11:08
